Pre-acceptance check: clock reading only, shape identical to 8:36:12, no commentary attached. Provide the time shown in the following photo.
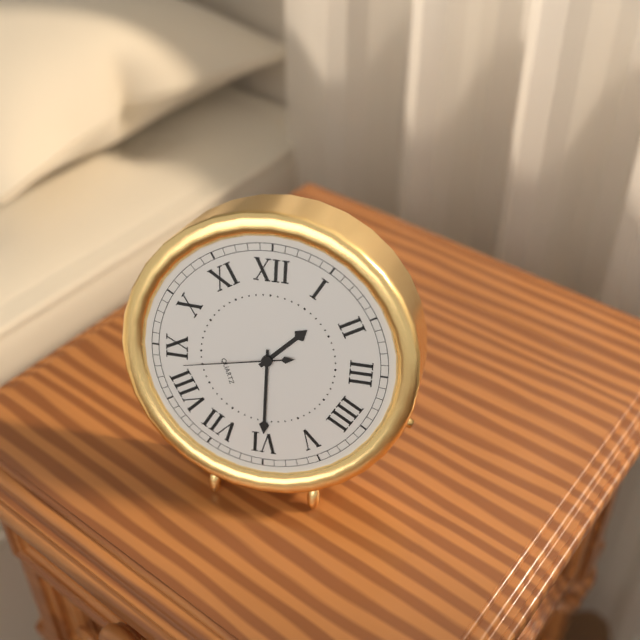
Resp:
1:30:43
